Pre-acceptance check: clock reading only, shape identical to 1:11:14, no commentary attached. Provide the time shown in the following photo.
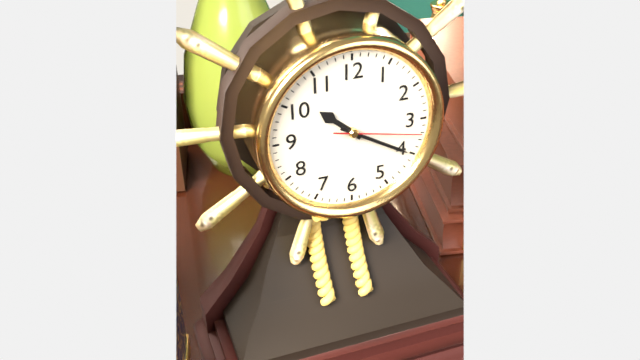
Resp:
10:20:17
